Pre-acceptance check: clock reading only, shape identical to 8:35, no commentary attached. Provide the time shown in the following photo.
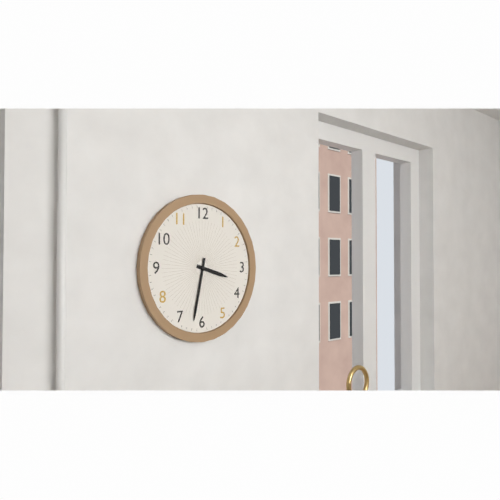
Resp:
3:32
